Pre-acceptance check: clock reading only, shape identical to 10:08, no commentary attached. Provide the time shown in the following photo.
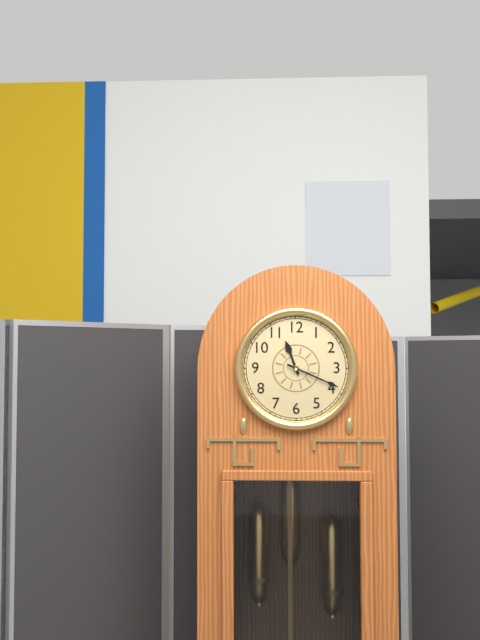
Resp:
11:19
